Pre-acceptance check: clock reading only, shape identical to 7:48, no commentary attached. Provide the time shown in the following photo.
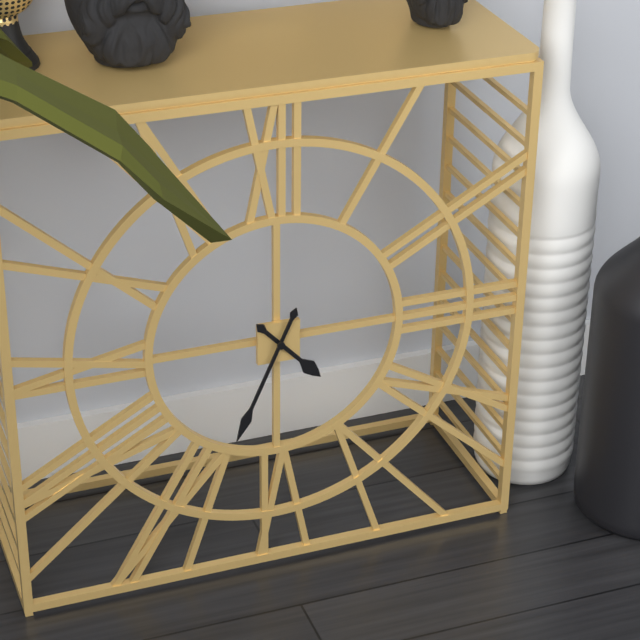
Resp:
4:34
